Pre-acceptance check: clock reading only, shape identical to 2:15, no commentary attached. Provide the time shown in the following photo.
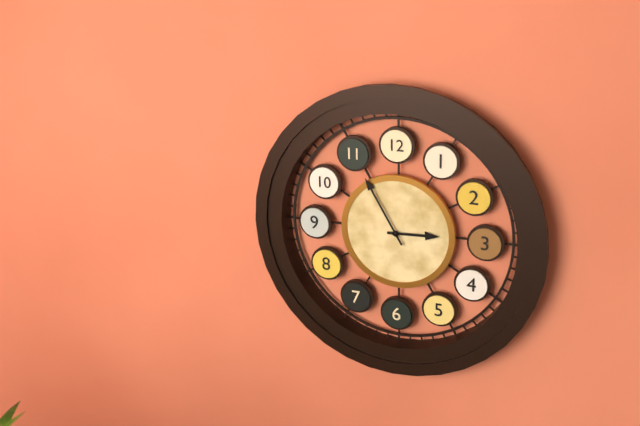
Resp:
2:55
